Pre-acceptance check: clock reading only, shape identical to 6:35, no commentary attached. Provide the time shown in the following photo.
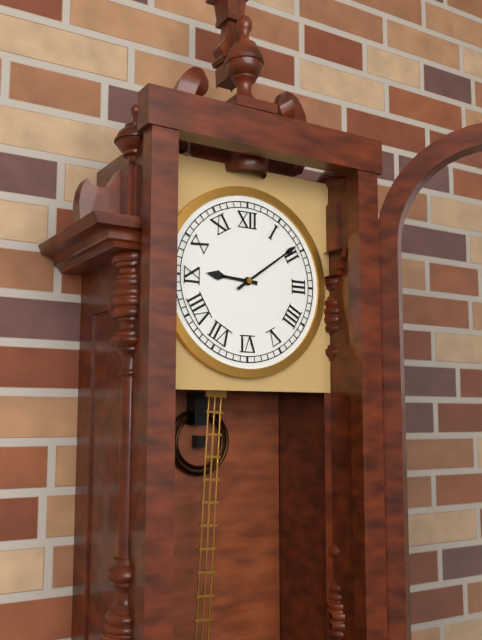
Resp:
9:09
